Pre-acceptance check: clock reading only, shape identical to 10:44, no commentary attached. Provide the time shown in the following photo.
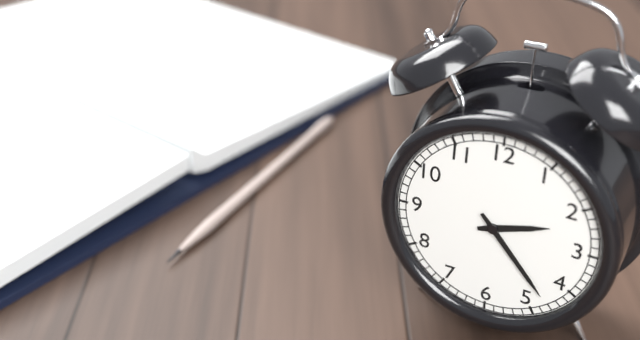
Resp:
2:23
